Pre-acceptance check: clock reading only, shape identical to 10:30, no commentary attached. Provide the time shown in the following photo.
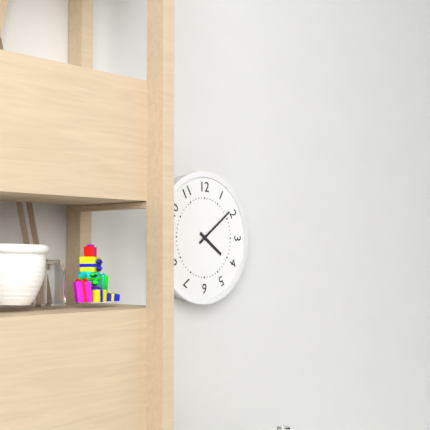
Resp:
4:09
